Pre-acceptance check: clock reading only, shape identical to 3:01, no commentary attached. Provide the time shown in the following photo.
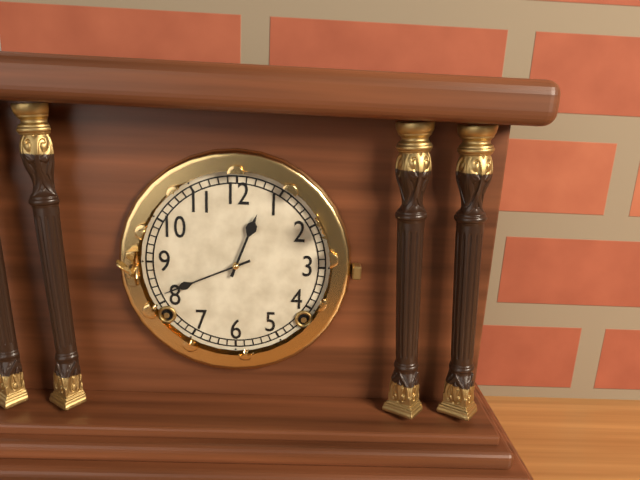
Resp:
12:41
